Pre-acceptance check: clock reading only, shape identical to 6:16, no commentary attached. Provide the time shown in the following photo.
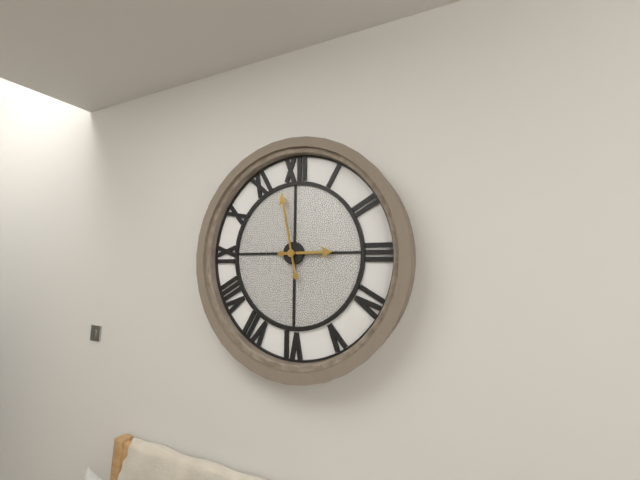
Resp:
2:58
